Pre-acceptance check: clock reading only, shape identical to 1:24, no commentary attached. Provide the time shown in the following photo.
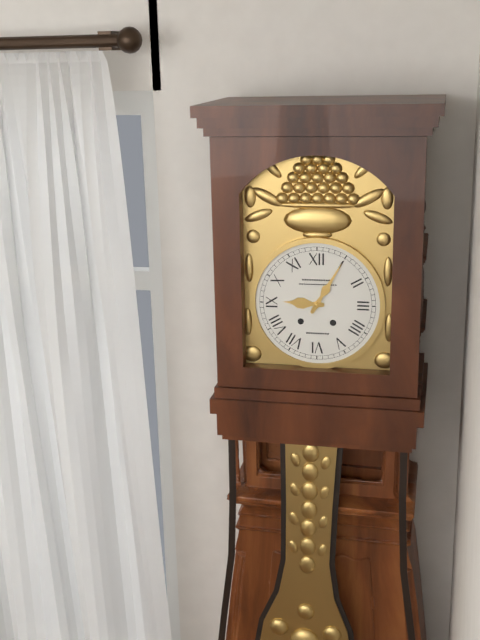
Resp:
9:05
